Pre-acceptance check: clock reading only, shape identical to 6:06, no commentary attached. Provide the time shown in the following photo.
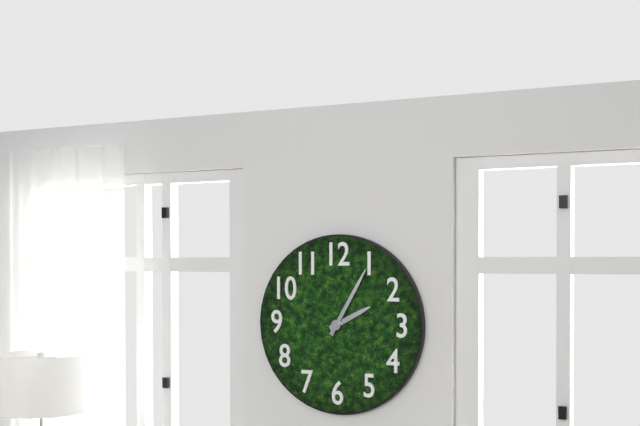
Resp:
2:05
